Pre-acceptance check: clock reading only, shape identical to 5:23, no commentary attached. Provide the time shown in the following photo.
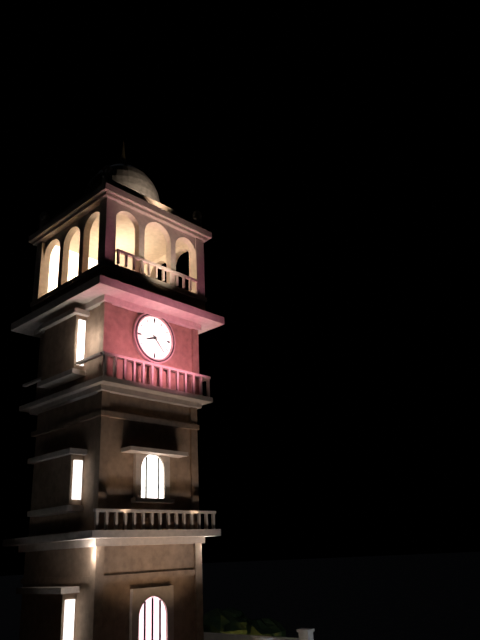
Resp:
8:23
